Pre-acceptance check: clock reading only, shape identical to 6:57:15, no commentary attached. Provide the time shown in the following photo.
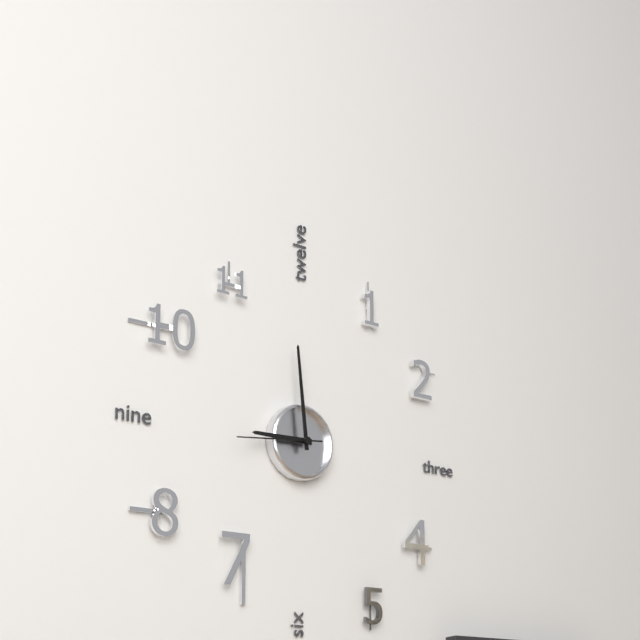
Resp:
8:59:44
